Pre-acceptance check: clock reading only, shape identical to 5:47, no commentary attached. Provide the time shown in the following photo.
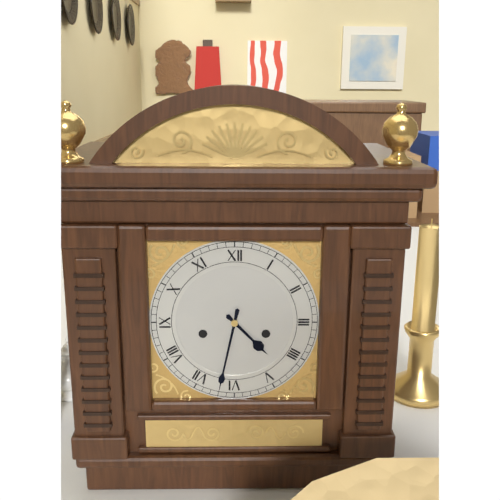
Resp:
4:32
